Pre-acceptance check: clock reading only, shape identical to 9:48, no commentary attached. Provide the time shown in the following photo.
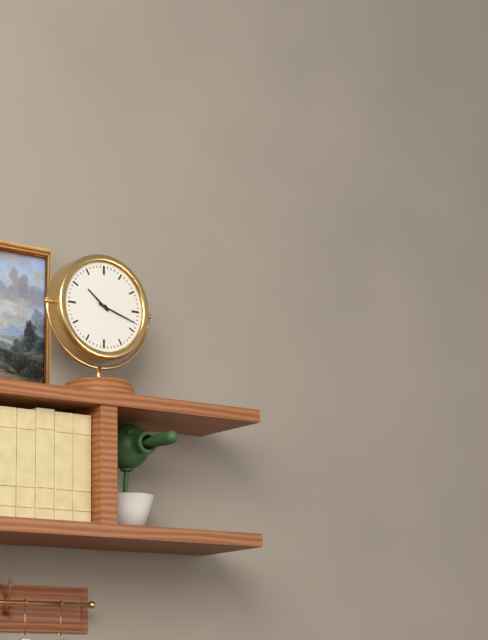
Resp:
10:18
